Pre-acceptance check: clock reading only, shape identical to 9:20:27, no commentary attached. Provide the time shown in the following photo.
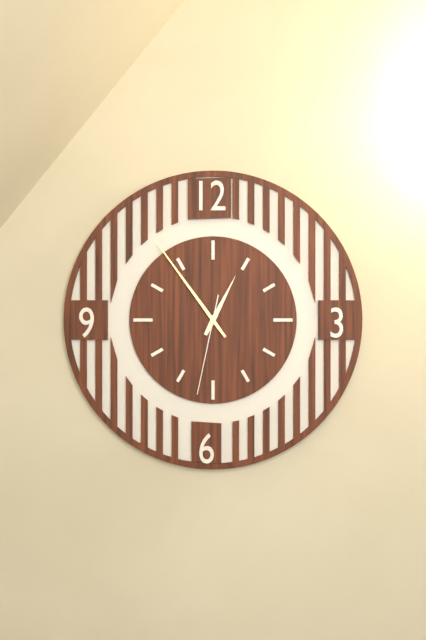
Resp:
12:54:32
